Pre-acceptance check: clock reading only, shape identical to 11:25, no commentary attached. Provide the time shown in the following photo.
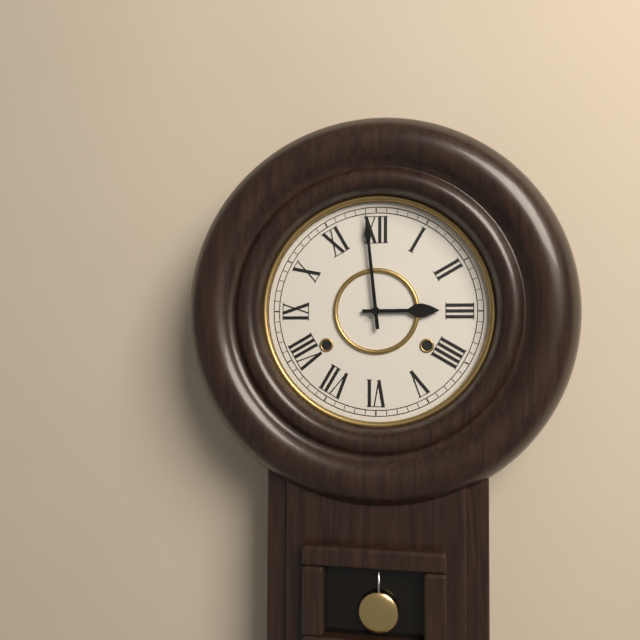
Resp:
2:59
